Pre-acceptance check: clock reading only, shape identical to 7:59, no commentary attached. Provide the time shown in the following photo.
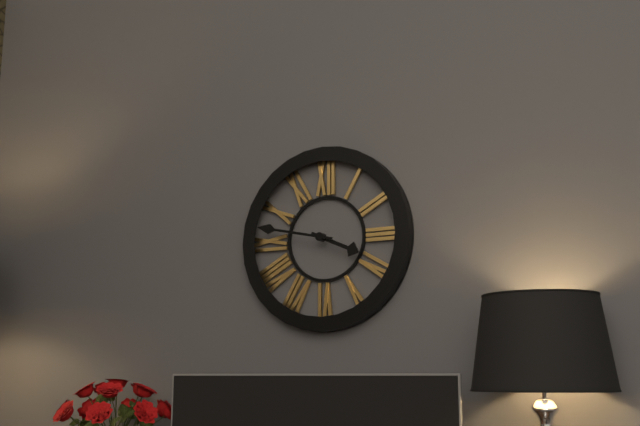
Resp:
3:47
